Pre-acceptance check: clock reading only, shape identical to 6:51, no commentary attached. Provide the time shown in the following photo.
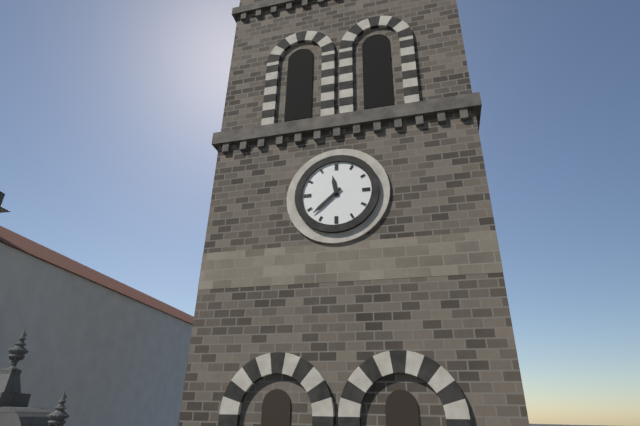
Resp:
11:38
